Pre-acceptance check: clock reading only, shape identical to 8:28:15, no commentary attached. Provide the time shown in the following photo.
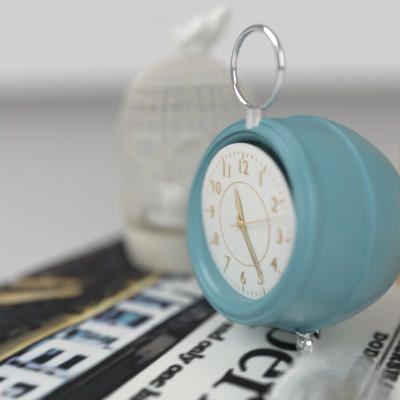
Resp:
11:24:12
